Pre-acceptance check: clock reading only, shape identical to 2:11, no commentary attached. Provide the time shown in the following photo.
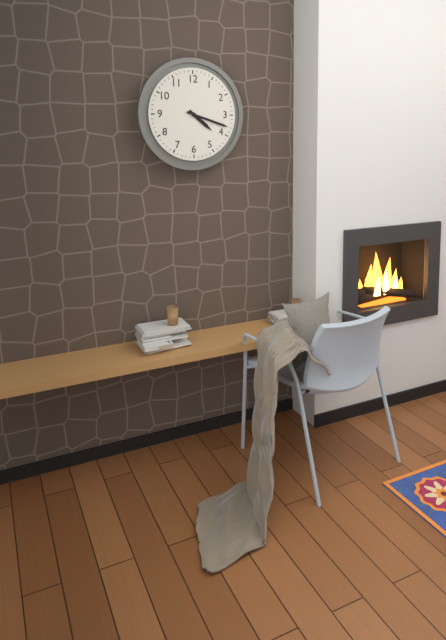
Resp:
4:18
